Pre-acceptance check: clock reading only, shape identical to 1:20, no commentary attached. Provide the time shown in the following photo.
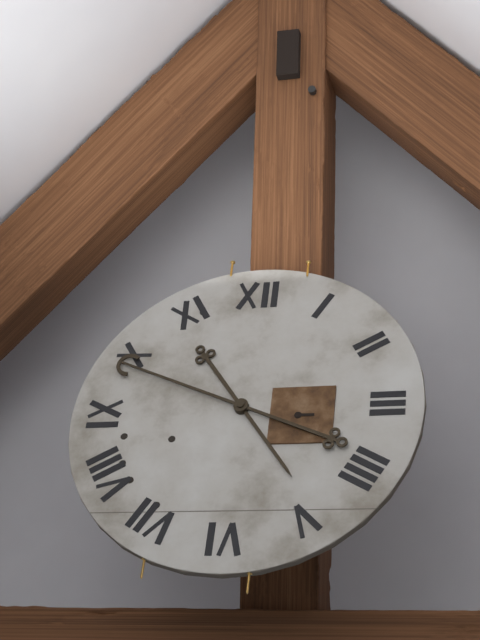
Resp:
4:49
